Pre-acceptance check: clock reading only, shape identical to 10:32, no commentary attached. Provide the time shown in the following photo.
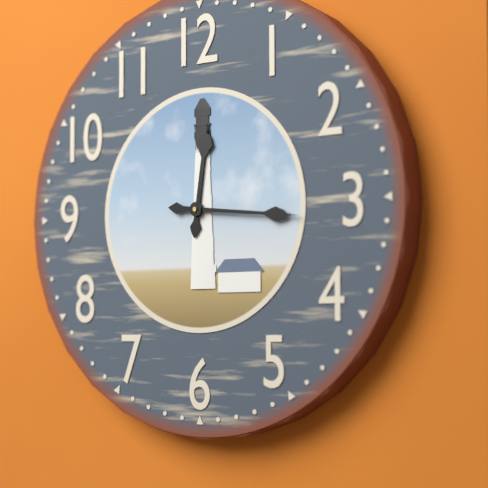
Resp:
12:16
